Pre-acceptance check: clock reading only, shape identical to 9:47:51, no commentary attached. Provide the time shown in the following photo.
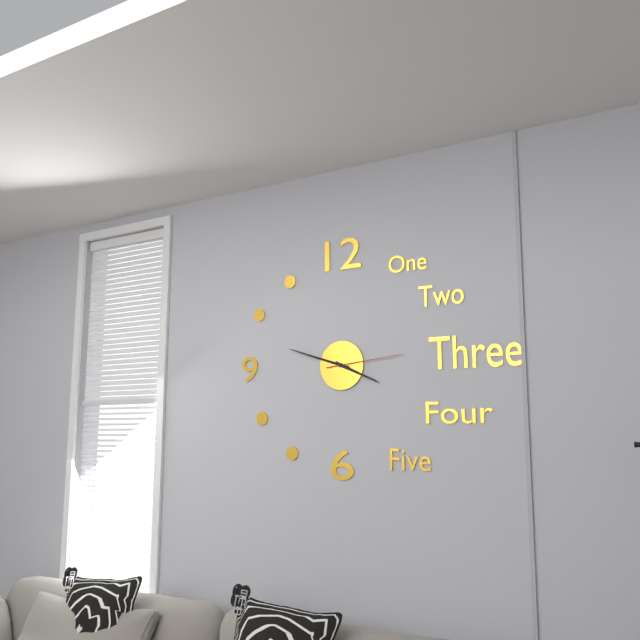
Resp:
3:48:14
